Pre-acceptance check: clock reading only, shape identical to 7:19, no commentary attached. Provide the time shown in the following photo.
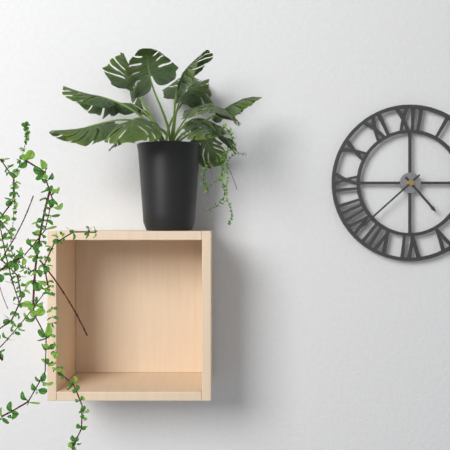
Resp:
4:38
